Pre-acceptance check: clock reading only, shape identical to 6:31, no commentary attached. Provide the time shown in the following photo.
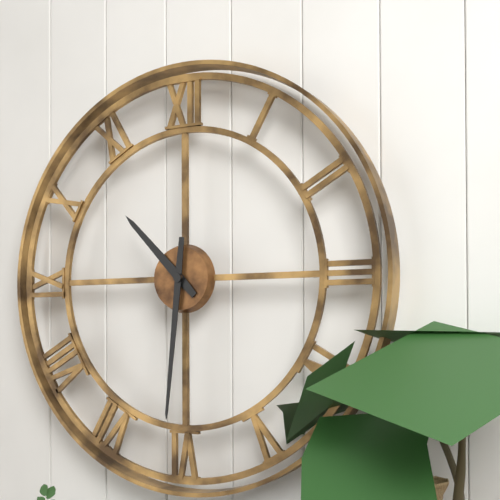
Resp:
10:31
